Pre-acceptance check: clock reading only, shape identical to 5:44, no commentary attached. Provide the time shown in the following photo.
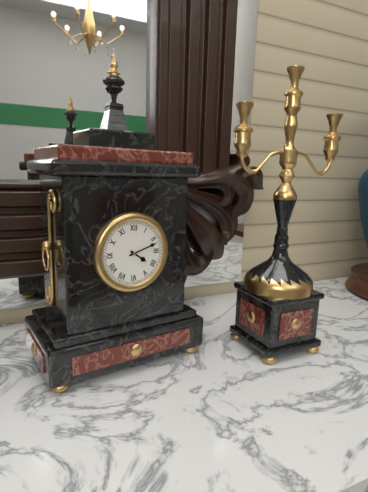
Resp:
4:12
